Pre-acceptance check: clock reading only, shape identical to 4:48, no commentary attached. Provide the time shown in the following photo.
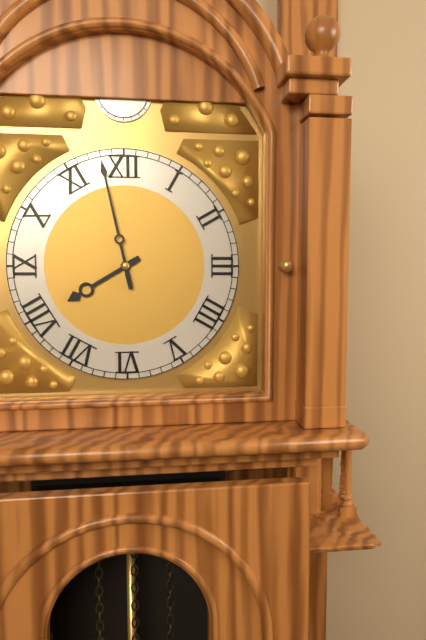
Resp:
7:58
